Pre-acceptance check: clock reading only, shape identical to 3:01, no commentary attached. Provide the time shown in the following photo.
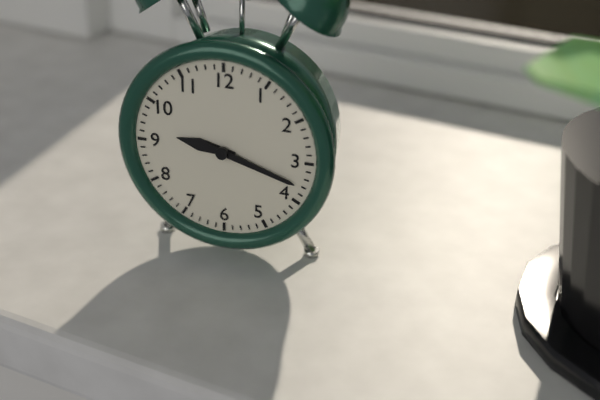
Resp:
9:18
